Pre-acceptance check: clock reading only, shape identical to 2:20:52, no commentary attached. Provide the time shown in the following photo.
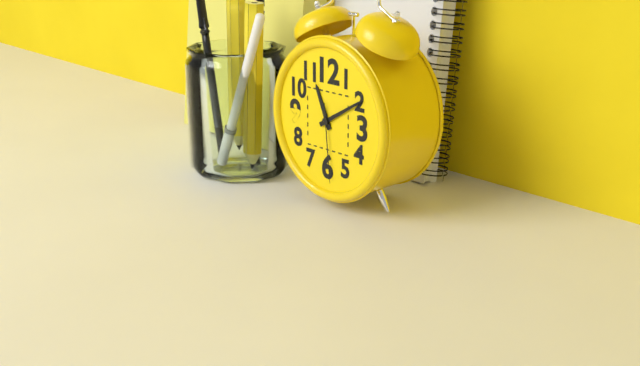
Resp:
11:10:29
